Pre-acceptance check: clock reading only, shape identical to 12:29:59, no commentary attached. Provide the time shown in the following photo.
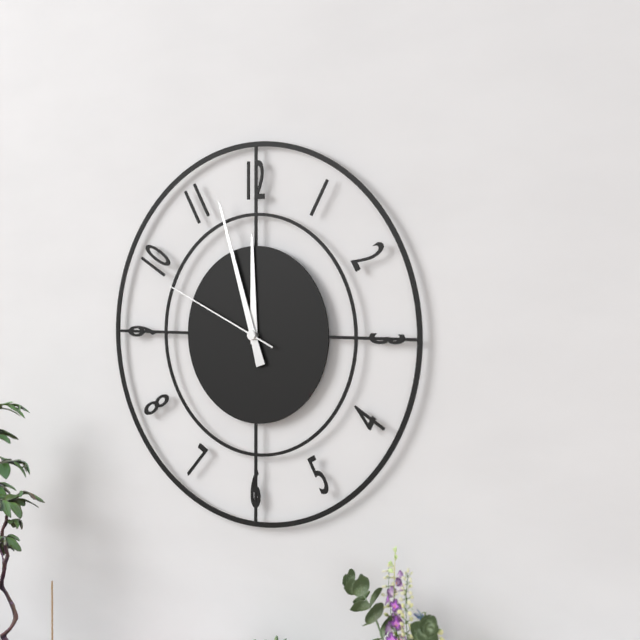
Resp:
11:57:49
